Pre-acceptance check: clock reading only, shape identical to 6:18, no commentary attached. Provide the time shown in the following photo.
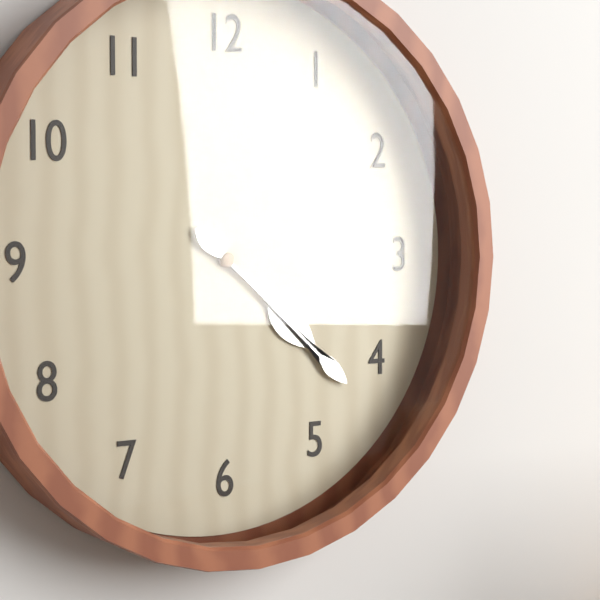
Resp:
4:22
